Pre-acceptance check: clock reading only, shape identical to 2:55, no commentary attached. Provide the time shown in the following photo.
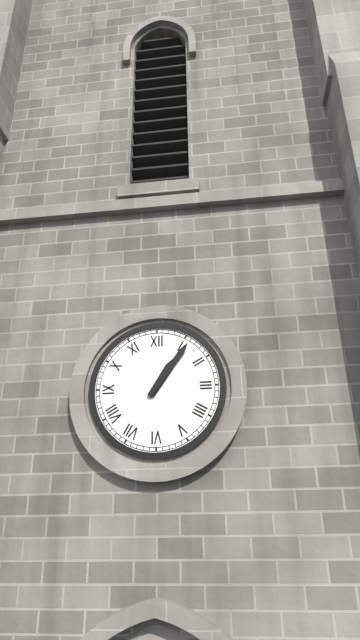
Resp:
1:06
